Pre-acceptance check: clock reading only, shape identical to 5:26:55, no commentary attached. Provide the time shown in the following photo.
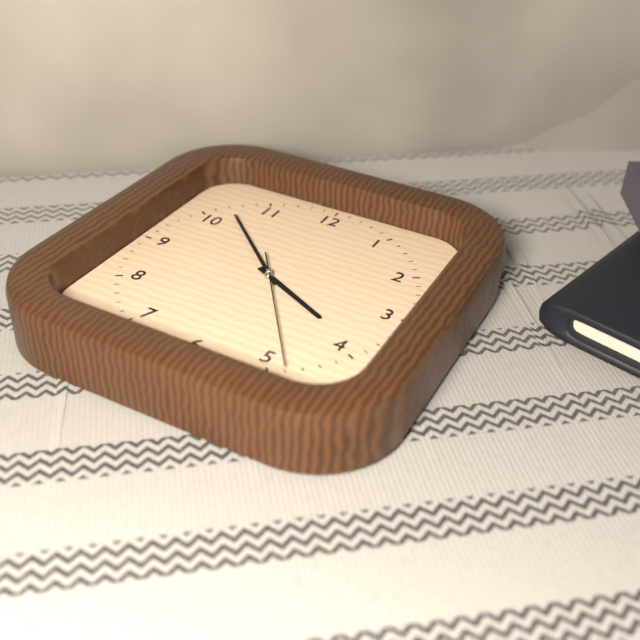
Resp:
3:52:24
